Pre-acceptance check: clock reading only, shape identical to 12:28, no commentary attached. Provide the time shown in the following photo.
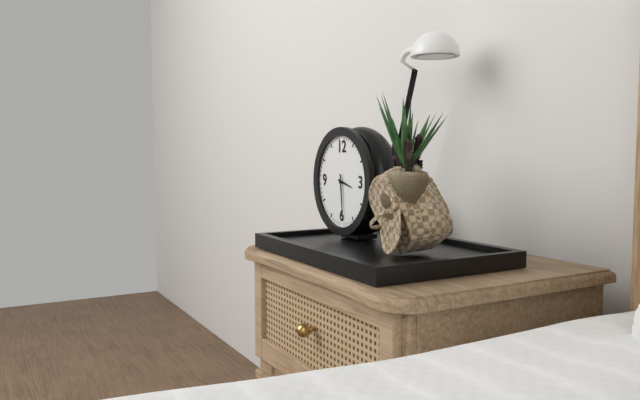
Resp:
3:29
